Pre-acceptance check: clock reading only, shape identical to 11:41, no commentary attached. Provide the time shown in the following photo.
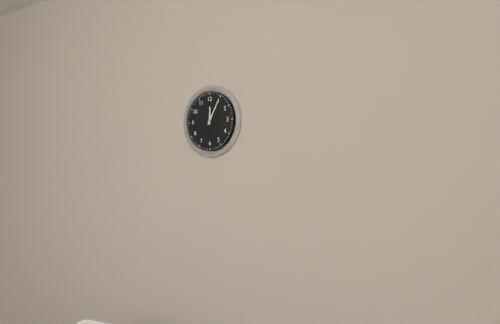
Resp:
12:05
